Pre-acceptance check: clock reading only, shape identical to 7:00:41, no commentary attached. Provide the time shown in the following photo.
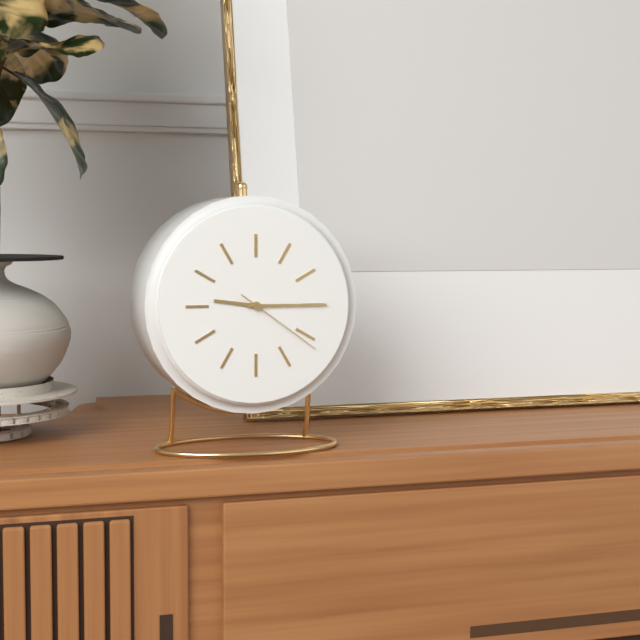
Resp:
9:15:21
